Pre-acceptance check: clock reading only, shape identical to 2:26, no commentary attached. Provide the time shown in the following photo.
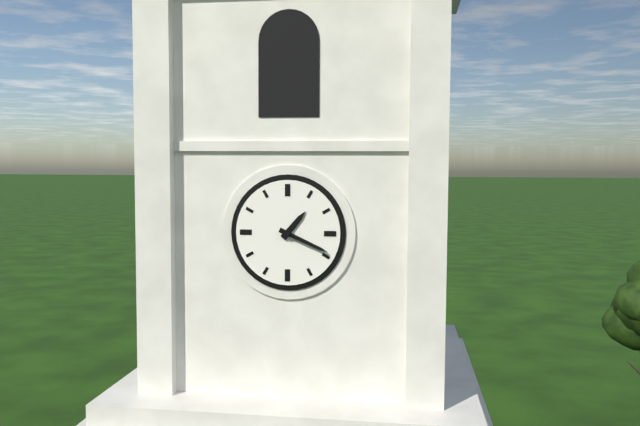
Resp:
1:19
